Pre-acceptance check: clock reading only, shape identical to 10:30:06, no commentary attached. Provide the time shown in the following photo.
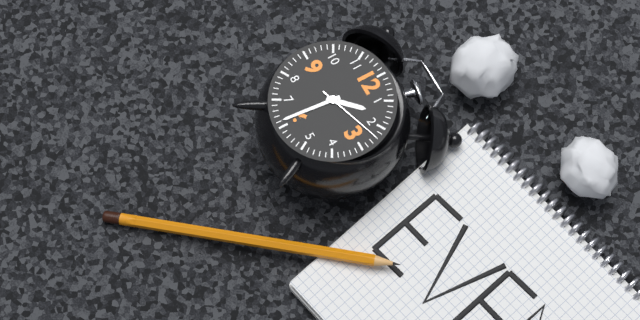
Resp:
1:31:12
